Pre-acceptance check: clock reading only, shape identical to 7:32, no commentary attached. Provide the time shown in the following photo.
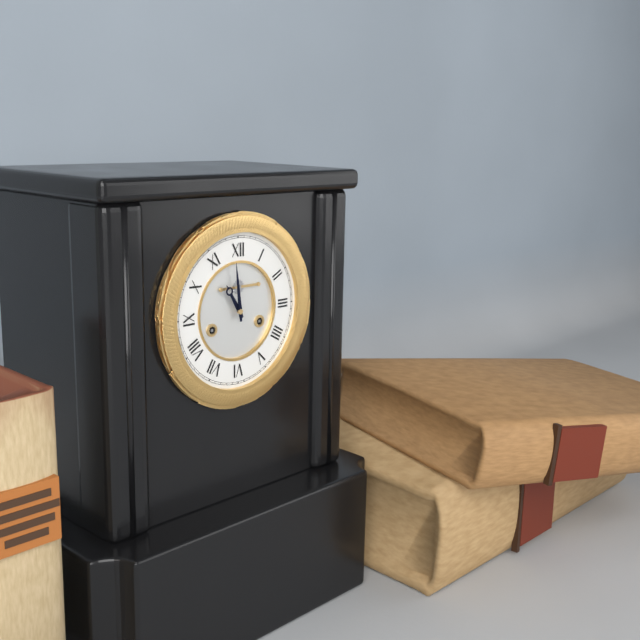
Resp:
10:59
